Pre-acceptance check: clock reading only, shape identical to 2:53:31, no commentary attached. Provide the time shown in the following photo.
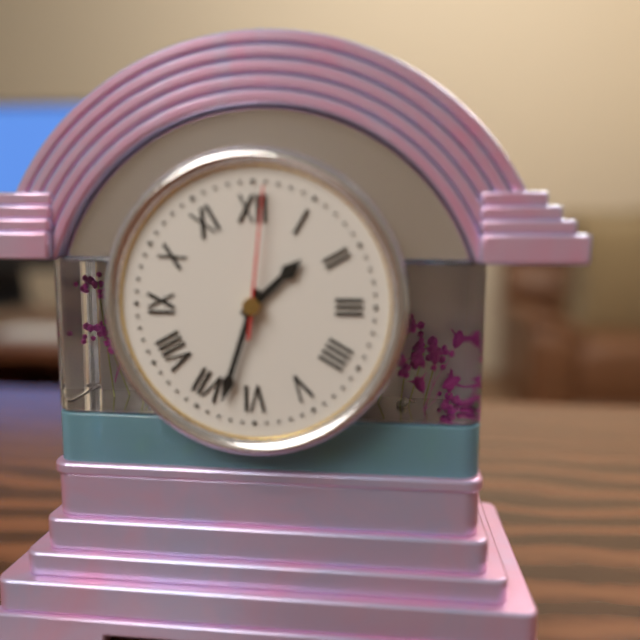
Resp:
1:33:01
